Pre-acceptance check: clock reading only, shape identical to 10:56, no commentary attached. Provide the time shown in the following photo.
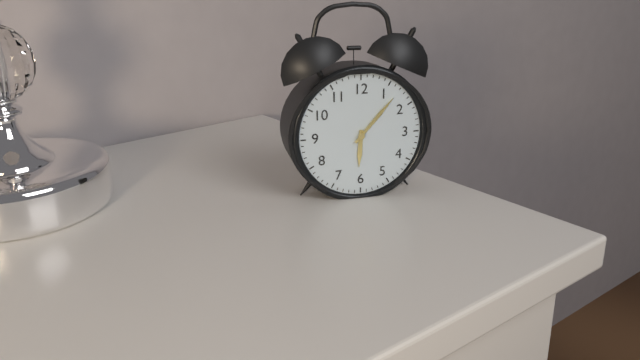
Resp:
6:07
